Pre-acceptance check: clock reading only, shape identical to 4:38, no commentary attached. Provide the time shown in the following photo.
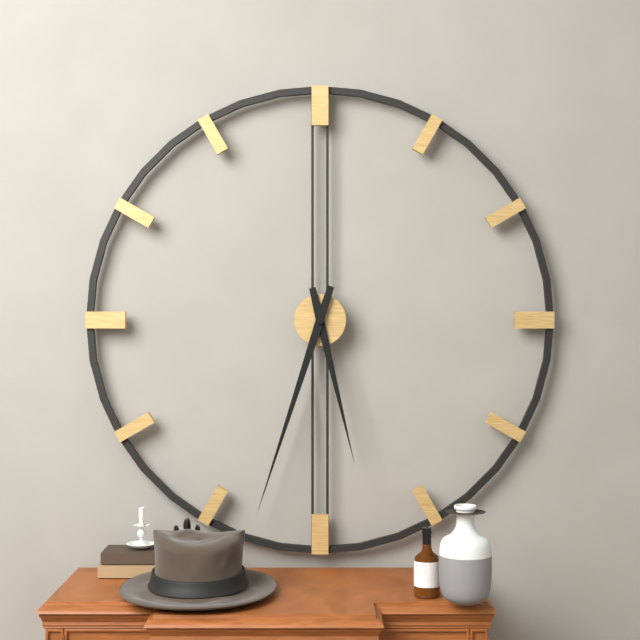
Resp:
5:33
